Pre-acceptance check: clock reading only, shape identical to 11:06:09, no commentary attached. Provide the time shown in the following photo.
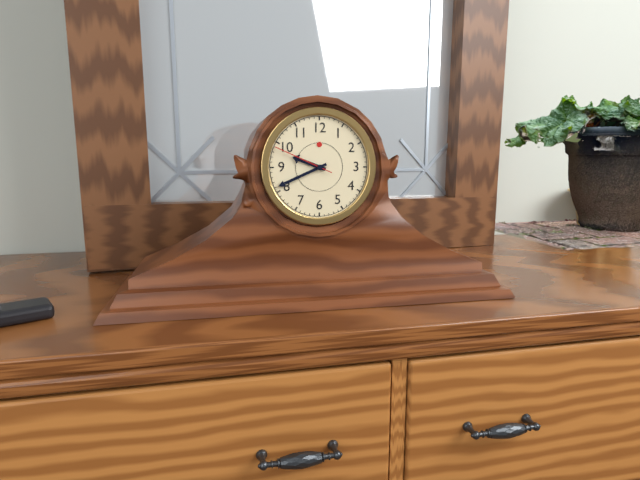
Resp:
9:41:49
